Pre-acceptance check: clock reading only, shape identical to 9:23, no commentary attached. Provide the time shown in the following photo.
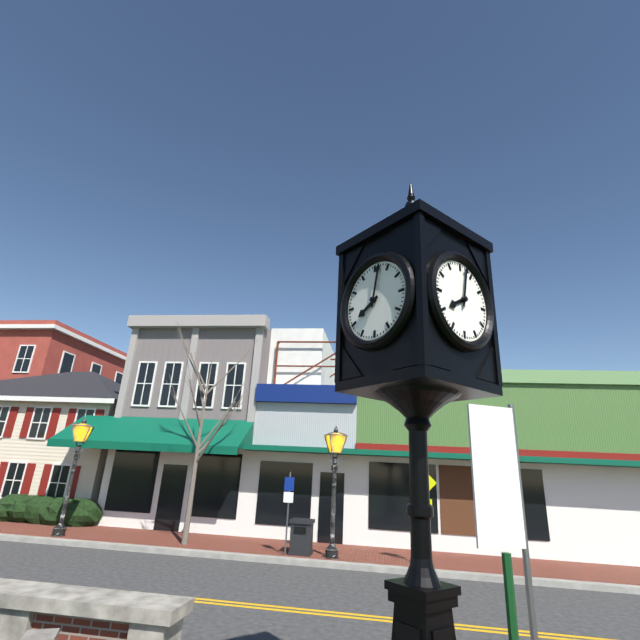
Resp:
8:02
